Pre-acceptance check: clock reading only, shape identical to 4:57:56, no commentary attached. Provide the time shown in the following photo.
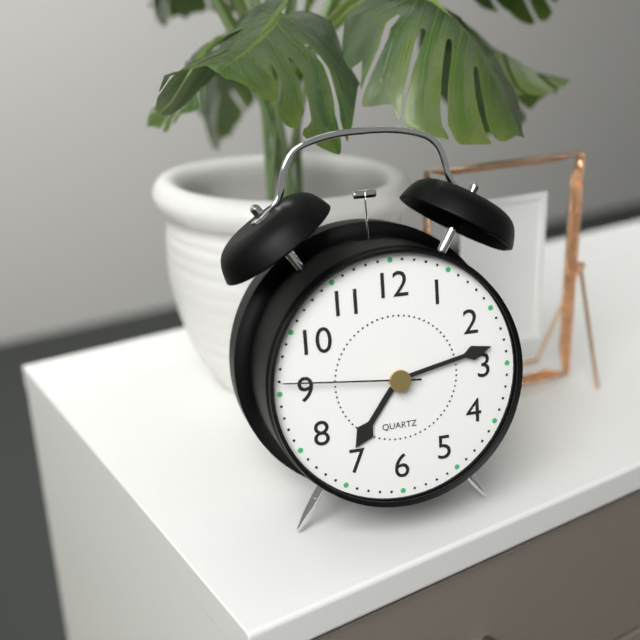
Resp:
7:13:46
